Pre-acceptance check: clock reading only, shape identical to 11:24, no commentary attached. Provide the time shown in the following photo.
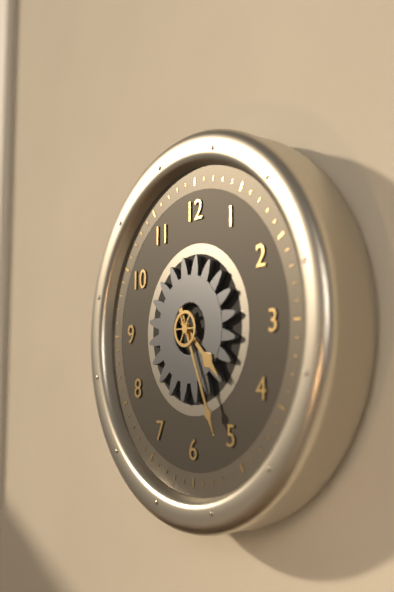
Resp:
4:26
